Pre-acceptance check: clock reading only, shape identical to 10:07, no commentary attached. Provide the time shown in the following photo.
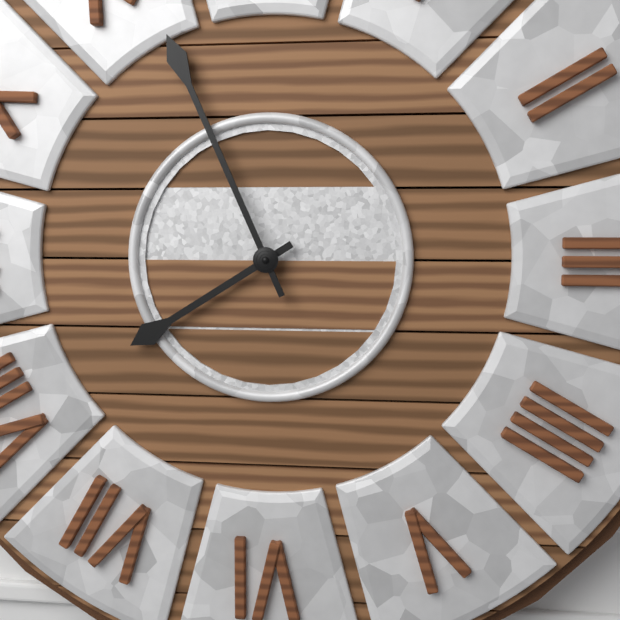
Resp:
7:56
